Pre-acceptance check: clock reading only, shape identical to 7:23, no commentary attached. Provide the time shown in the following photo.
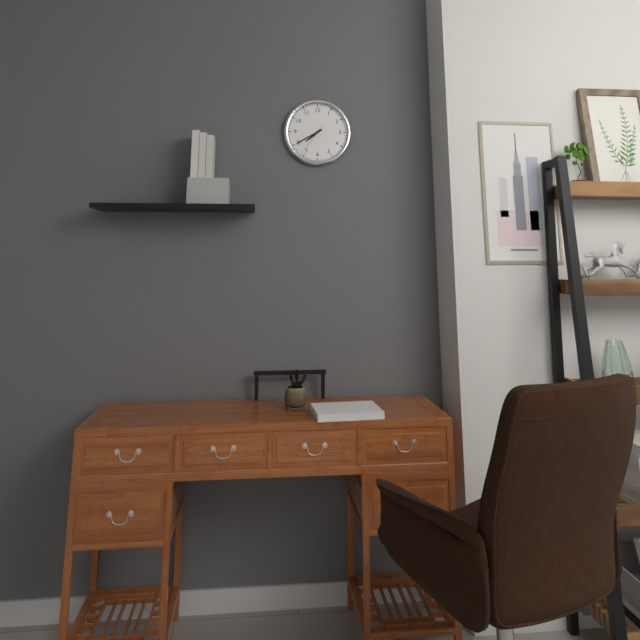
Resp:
7:40
